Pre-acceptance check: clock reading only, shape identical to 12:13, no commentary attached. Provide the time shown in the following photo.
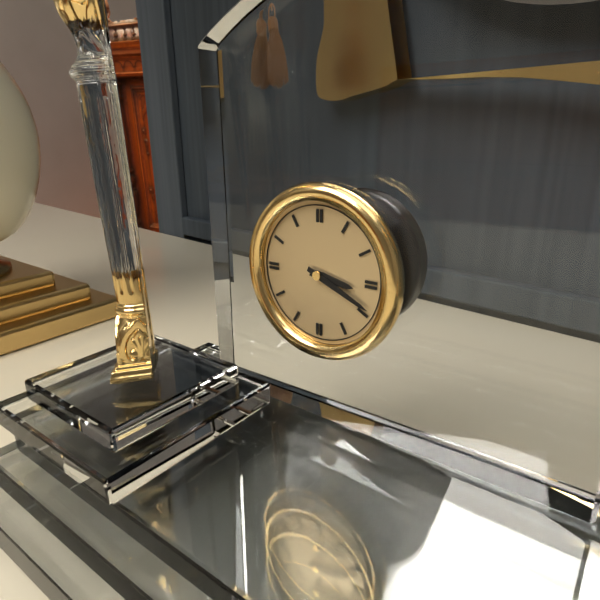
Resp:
3:19
